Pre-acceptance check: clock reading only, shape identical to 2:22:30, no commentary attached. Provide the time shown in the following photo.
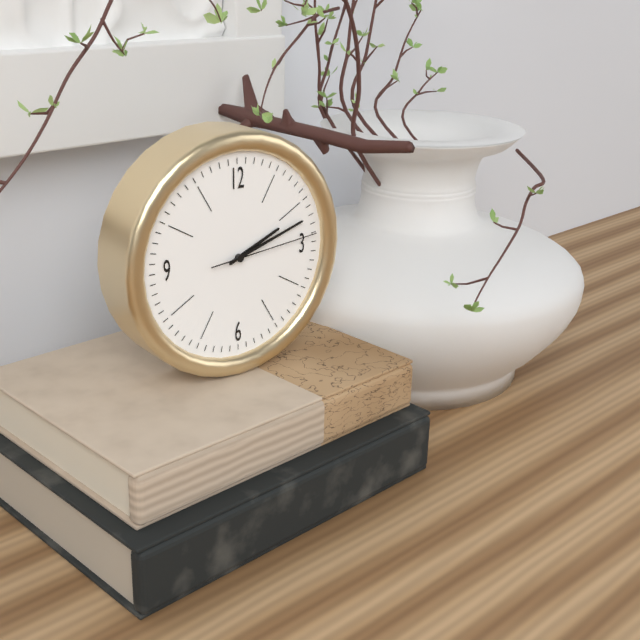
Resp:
2:12:14
